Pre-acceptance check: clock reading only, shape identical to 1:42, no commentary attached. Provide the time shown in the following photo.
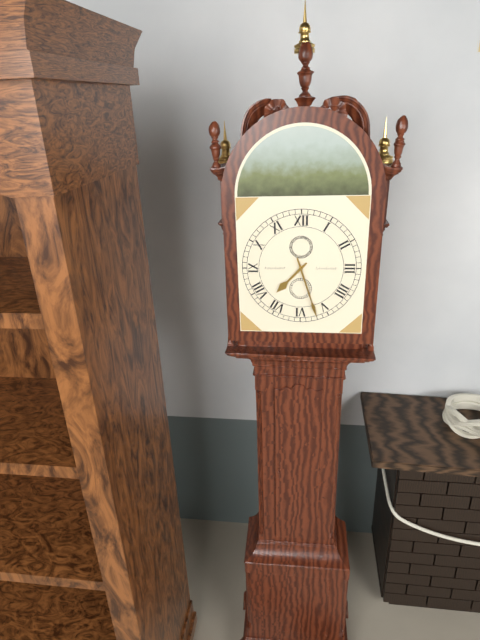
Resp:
7:27
